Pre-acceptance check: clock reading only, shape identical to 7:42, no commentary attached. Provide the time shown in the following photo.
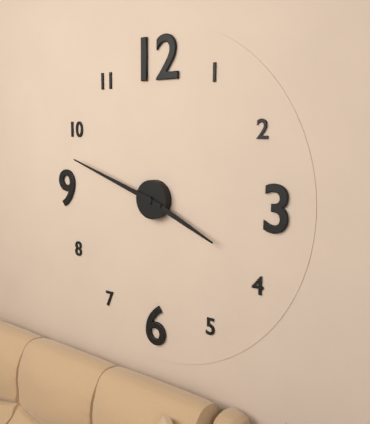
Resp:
3:48
